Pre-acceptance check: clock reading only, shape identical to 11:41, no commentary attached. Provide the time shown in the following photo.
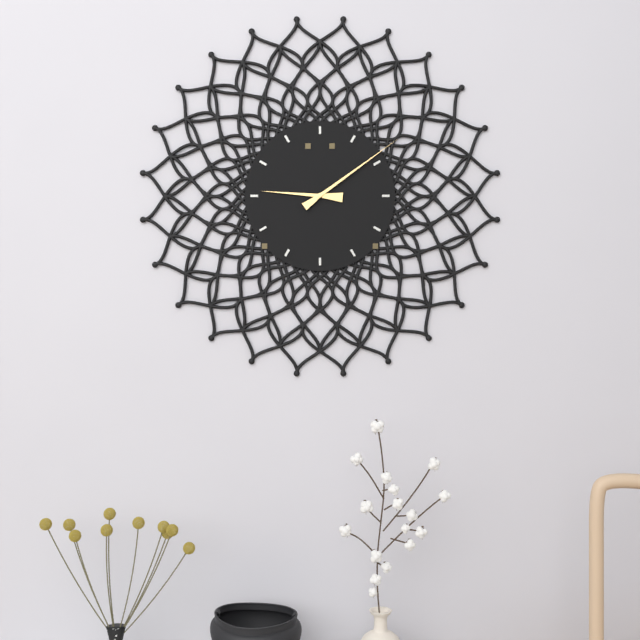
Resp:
9:09
